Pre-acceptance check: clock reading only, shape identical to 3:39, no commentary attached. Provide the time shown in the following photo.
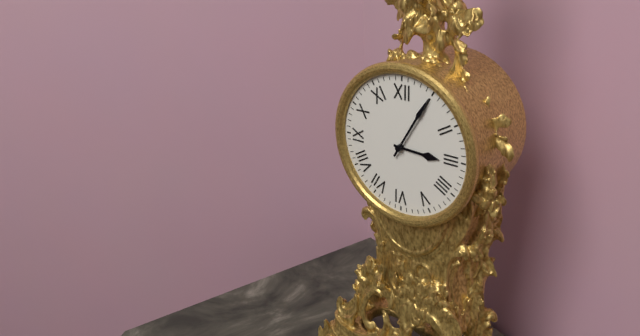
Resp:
3:05
